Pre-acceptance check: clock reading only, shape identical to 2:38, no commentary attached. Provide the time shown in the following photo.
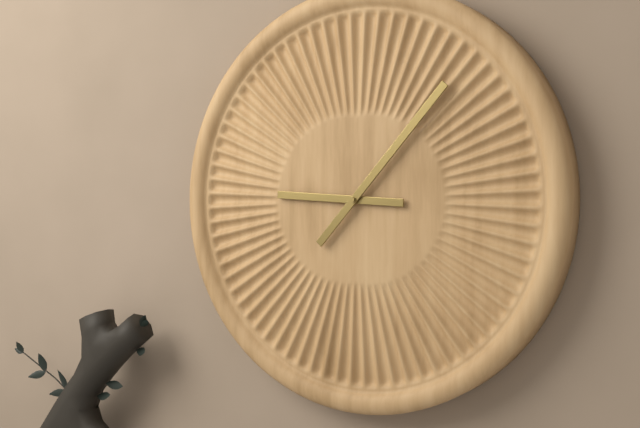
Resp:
9:07
